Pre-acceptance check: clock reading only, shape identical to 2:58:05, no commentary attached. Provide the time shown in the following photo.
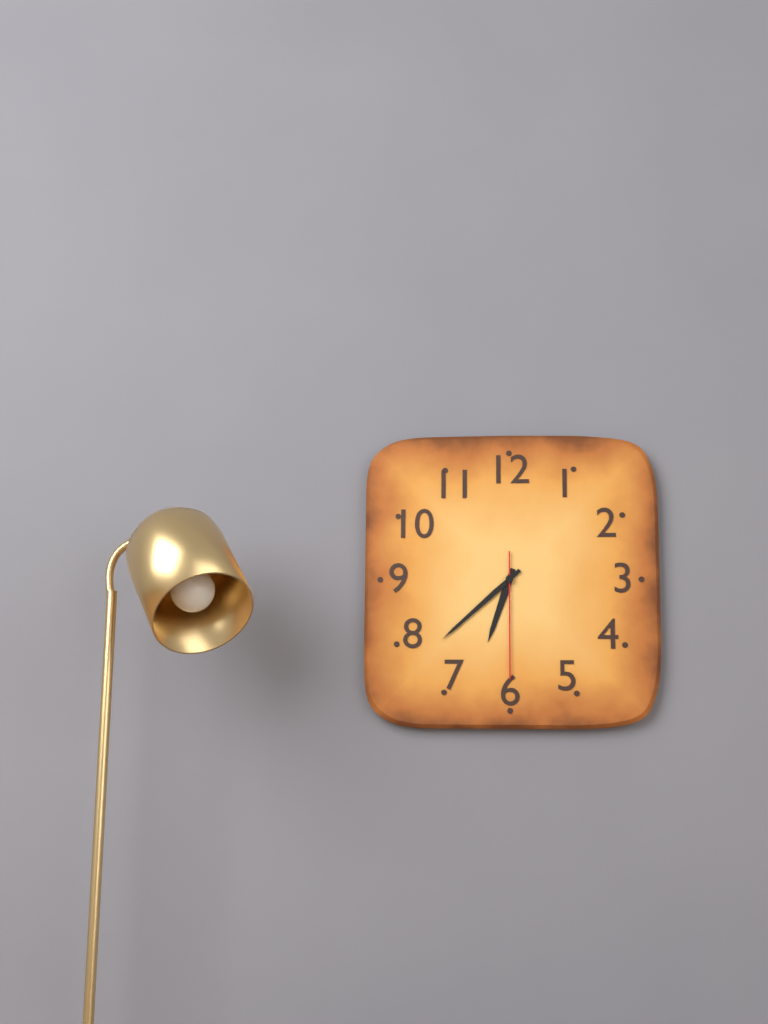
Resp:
6:38:30
